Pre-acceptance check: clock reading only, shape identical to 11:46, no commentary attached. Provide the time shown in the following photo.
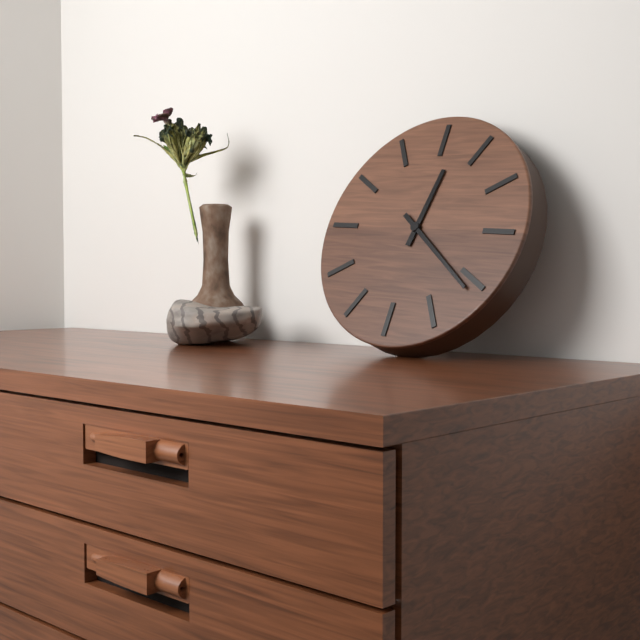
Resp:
12:21
